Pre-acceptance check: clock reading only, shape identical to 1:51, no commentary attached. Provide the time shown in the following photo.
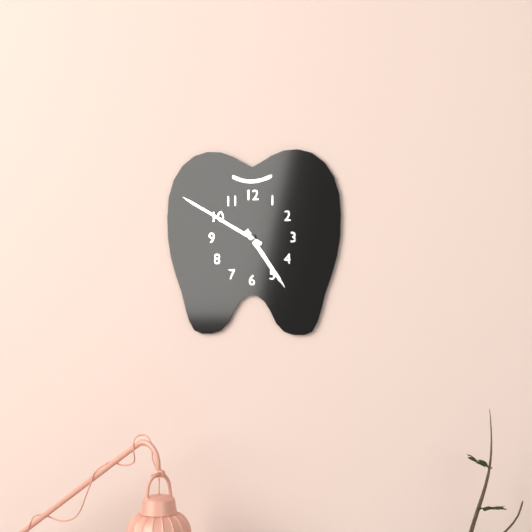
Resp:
4:50
